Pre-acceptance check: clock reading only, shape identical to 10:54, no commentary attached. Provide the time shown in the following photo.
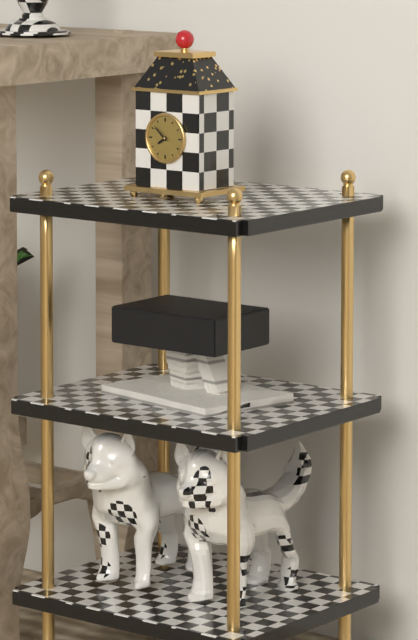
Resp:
7:52
